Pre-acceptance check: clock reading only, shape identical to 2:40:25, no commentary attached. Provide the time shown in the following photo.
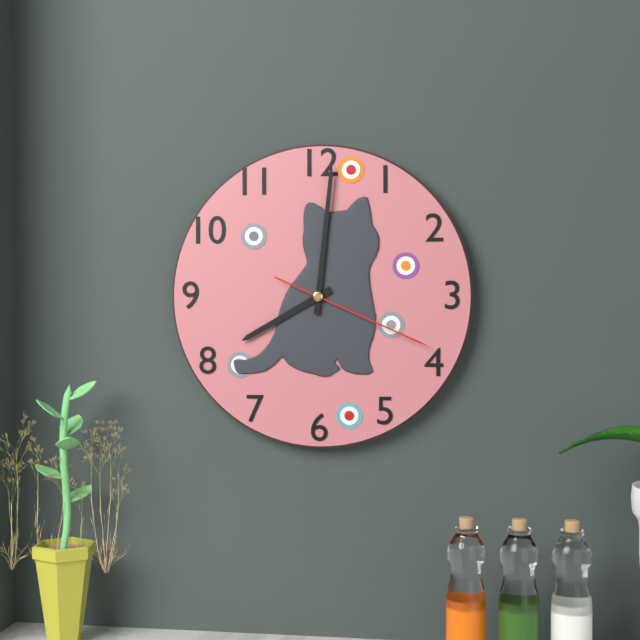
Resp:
8:01:19
